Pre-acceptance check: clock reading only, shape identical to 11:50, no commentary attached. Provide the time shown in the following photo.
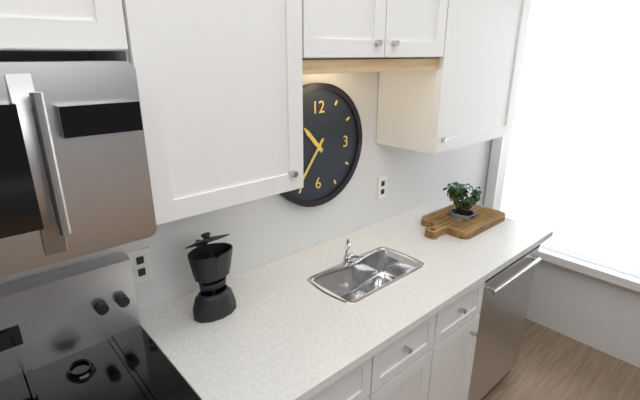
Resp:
10:36
